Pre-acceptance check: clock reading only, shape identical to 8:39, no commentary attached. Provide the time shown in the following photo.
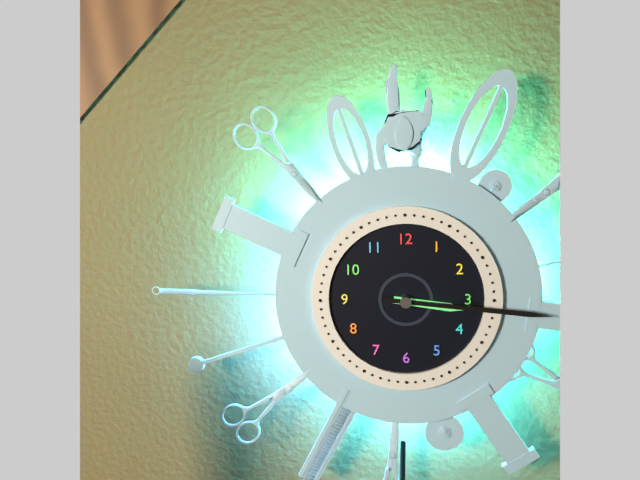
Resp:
3:16
